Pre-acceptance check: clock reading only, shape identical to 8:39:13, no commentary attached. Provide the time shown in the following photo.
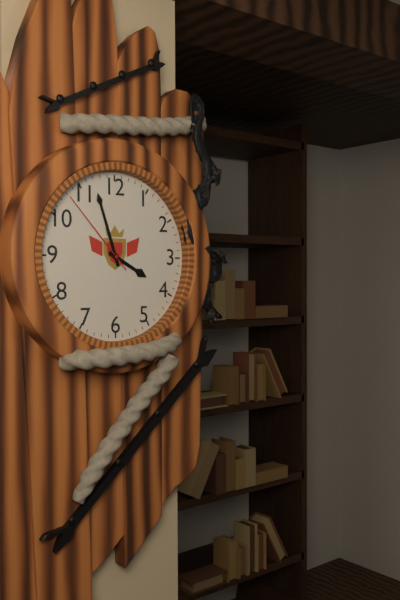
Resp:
3:57:53
